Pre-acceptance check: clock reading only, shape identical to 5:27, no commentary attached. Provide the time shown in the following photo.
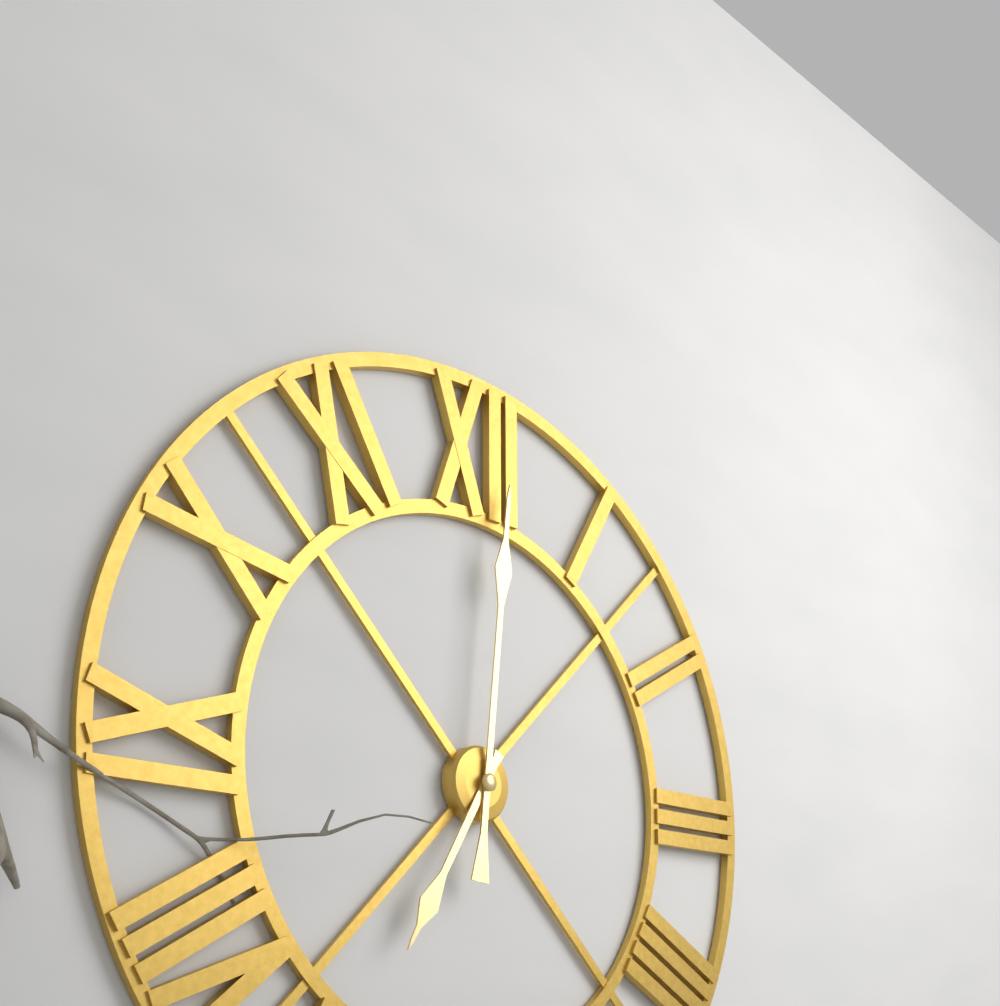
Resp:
7:01
